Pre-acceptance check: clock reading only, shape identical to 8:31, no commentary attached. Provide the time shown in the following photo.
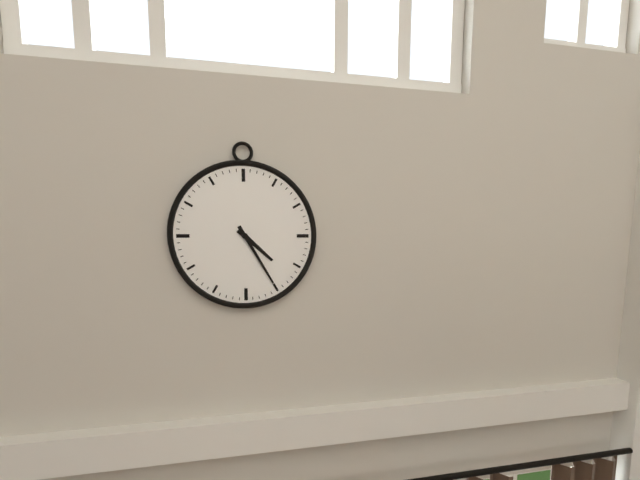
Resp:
4:25
